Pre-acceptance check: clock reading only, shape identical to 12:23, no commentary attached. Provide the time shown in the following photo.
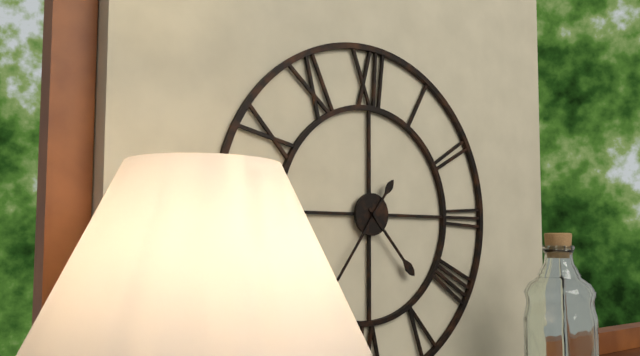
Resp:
4:36
